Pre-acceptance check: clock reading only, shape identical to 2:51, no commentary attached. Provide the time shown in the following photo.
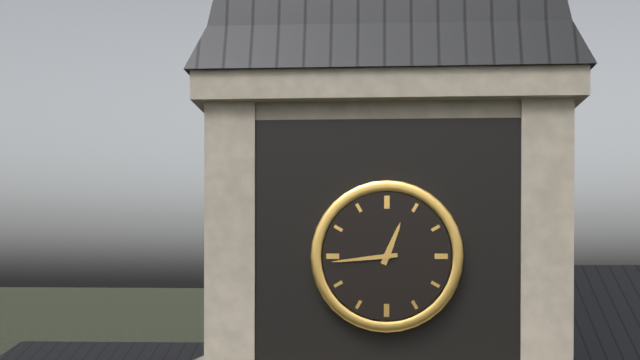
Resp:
12:44
